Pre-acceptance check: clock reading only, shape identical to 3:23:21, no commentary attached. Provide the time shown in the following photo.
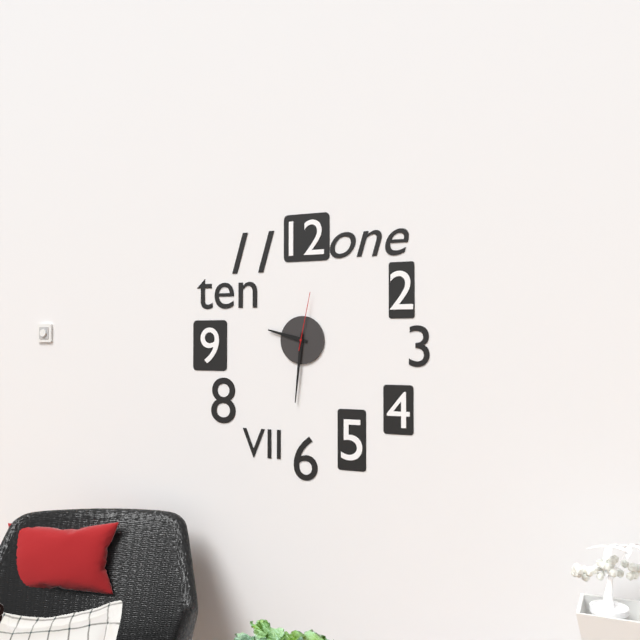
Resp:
9:31:02
